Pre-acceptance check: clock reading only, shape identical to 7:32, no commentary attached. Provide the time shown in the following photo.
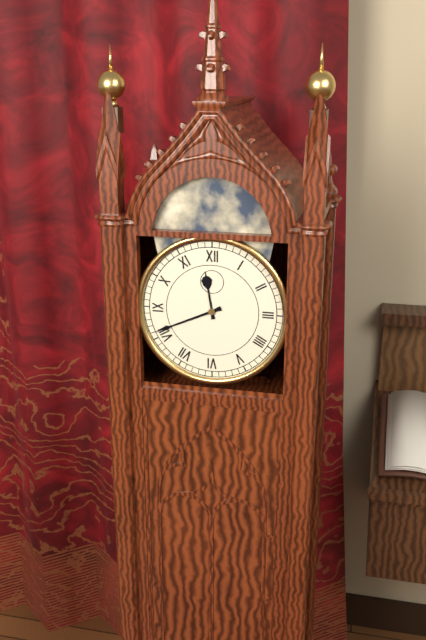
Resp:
11:41
